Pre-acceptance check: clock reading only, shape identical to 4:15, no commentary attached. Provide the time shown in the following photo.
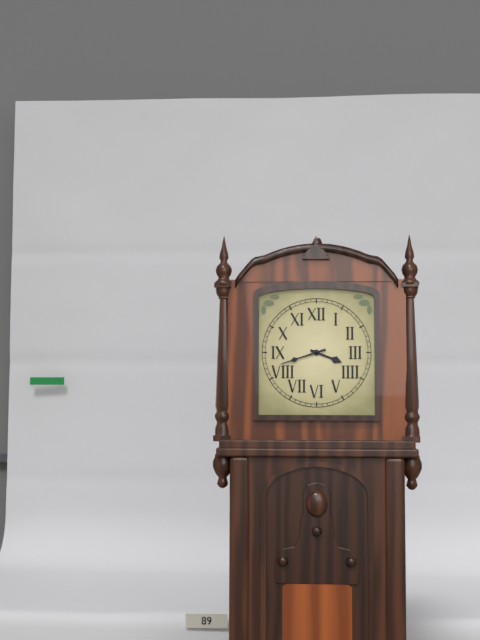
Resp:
3:42
